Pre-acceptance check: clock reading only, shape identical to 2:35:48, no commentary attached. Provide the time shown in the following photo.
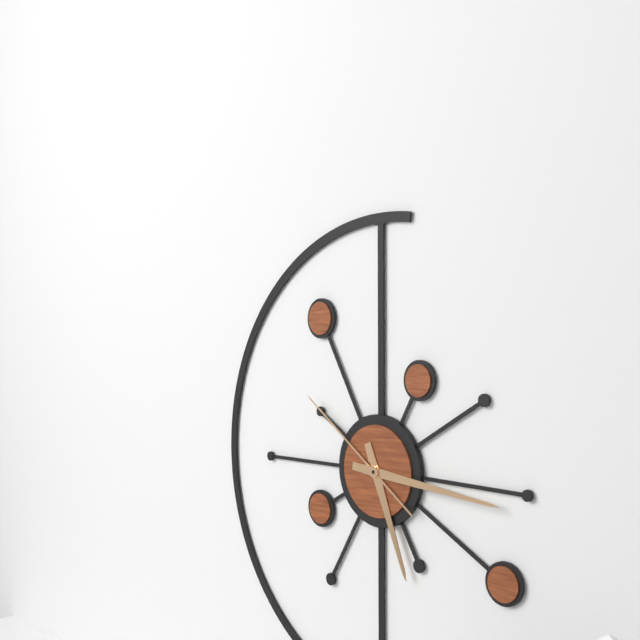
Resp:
5:16:51
